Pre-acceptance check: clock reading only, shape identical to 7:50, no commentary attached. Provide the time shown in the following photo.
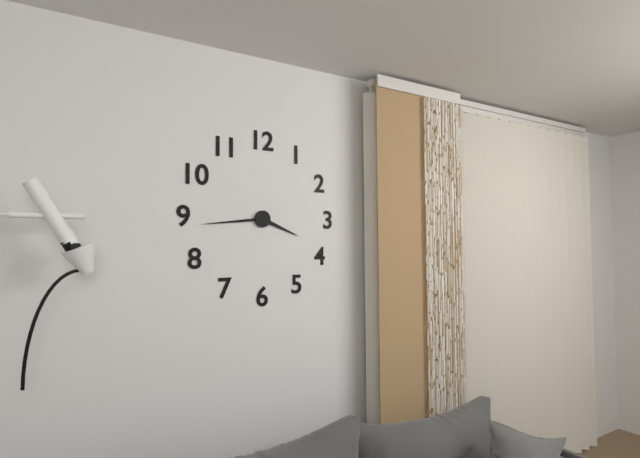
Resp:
3:44
